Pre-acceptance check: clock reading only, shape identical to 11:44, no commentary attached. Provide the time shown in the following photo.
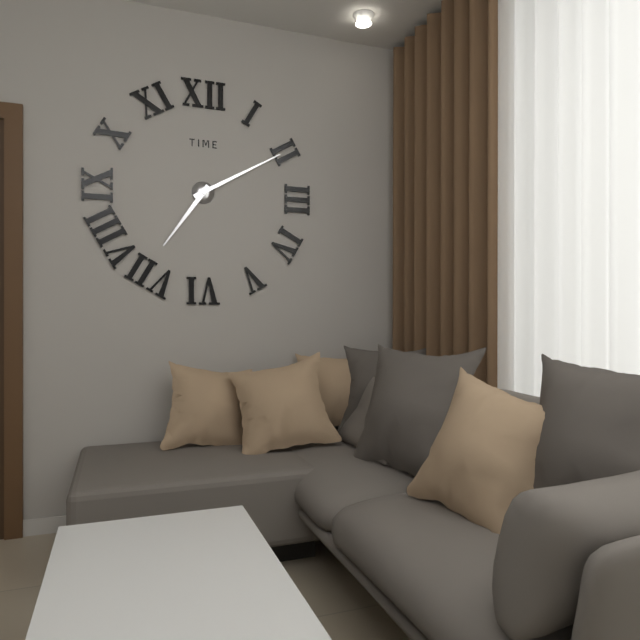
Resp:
7:10
